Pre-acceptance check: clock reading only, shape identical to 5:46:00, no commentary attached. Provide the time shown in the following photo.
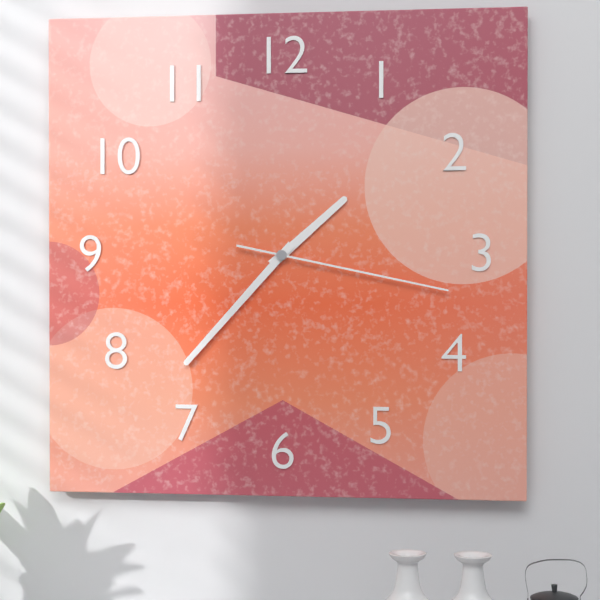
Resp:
1:37:17
